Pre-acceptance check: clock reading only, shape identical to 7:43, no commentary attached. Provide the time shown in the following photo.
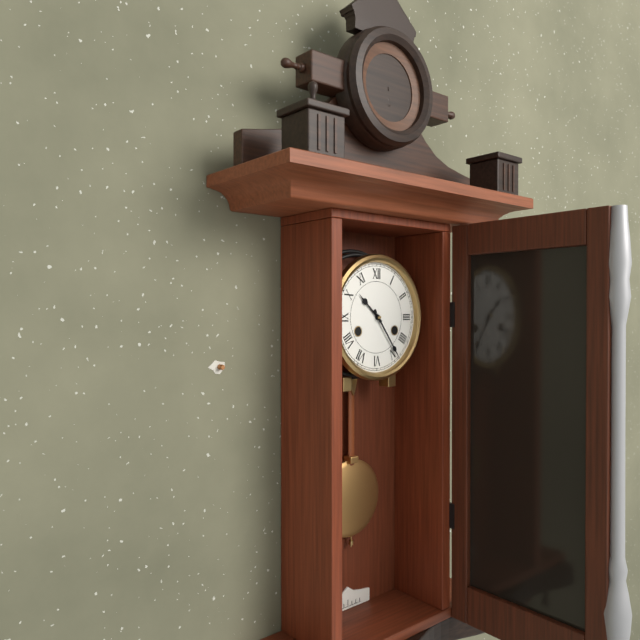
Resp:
10:24
